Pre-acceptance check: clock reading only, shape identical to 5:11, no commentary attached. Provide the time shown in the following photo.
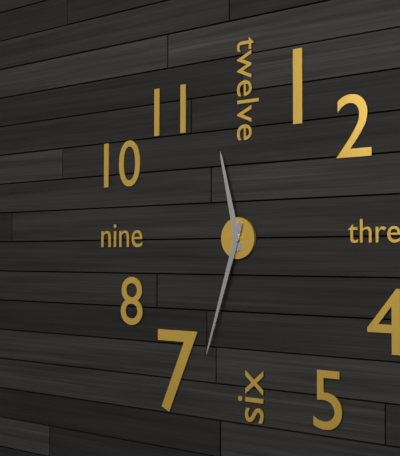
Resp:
11:33
